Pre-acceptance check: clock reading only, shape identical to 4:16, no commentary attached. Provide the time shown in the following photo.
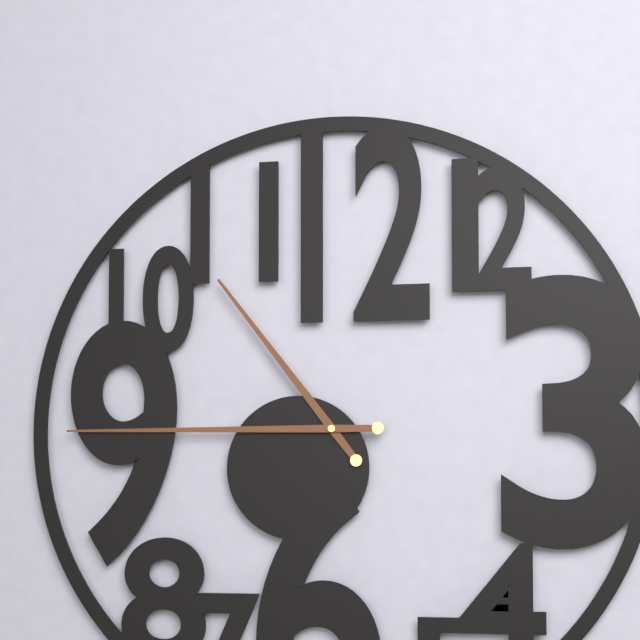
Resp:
10:45
